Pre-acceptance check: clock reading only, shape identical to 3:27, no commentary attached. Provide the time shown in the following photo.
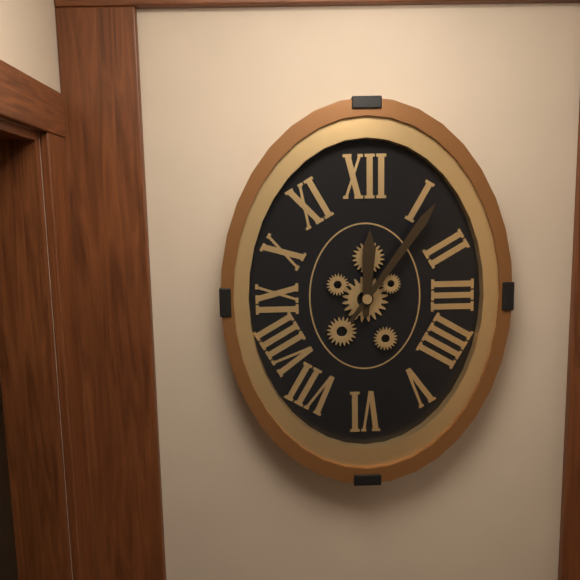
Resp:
12:06
